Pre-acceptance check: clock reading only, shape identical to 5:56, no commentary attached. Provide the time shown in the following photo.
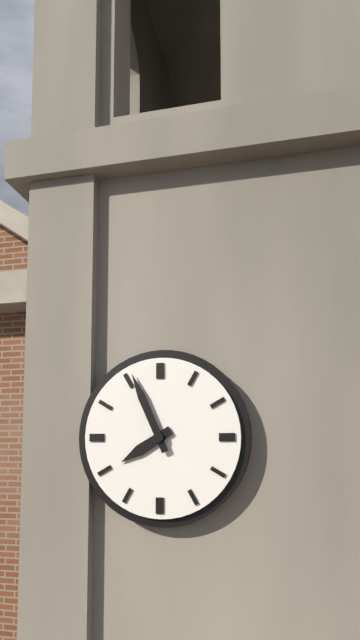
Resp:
7:56
